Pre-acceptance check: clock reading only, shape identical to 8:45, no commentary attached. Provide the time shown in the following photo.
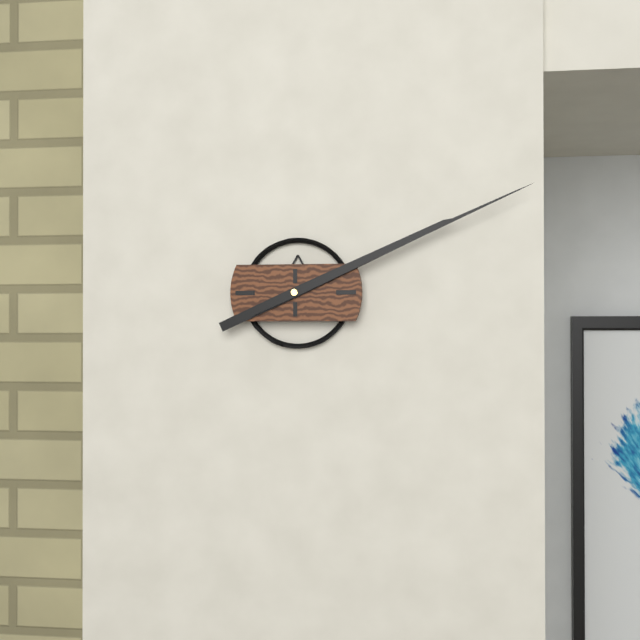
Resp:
2:11
